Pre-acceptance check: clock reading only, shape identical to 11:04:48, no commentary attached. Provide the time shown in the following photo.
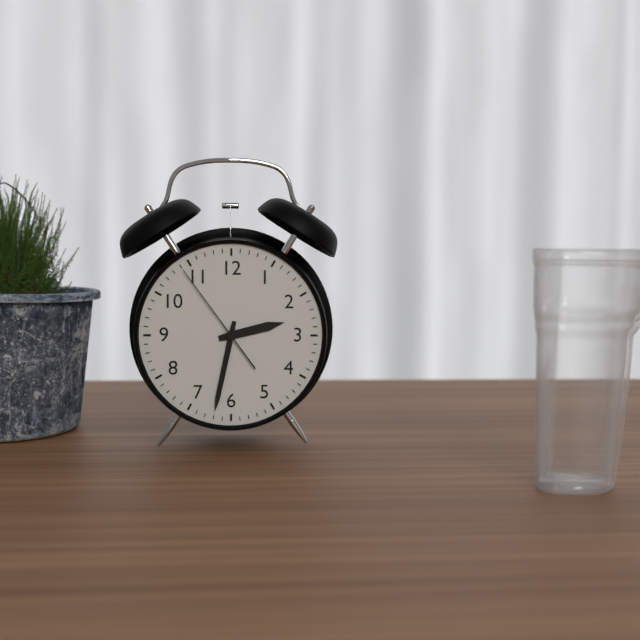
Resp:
2:32:54
